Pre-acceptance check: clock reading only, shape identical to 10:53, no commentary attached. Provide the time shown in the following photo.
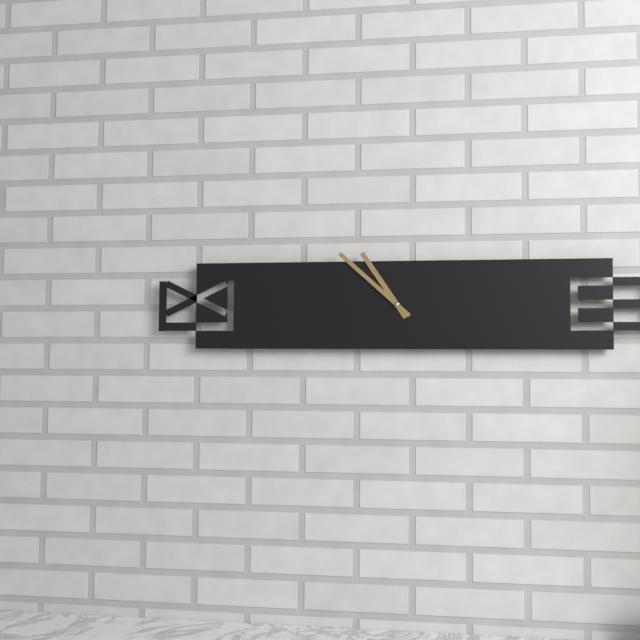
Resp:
10:52
